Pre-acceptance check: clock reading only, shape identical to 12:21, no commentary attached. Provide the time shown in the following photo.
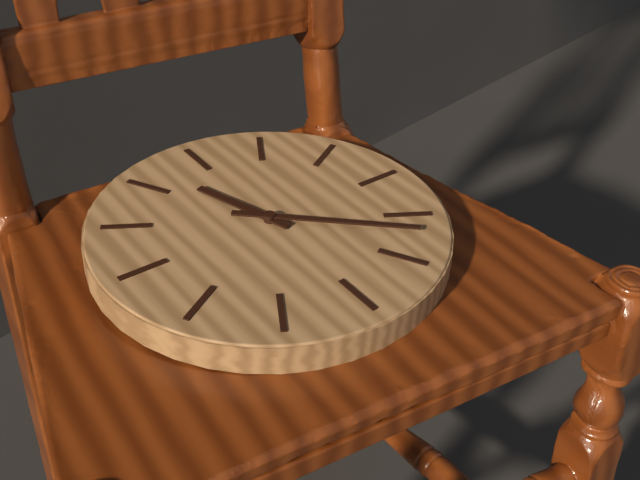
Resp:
11:22
